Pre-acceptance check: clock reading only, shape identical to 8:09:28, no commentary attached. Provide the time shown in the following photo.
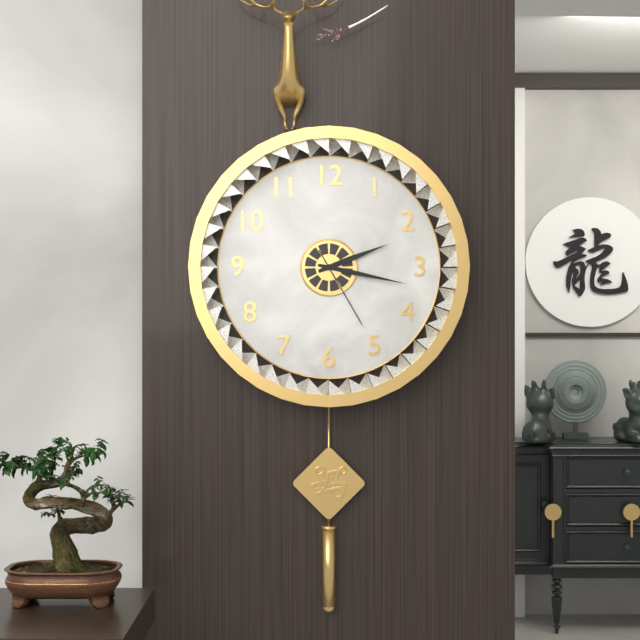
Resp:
2:17:25
